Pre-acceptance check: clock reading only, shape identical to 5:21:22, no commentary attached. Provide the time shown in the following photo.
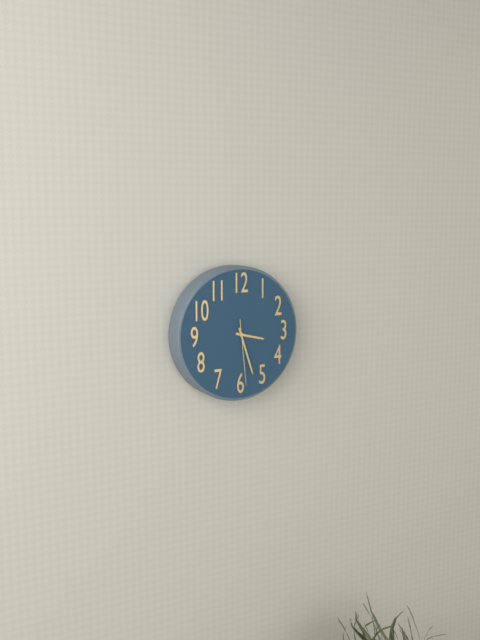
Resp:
3:27:29
